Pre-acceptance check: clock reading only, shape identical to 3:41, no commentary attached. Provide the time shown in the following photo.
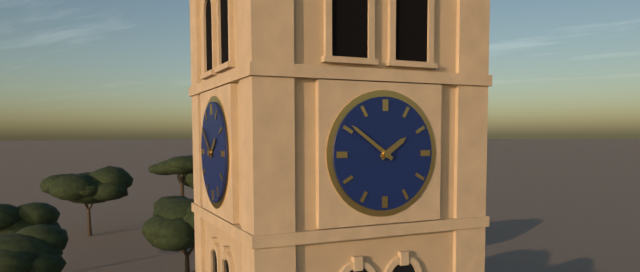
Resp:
1:51
